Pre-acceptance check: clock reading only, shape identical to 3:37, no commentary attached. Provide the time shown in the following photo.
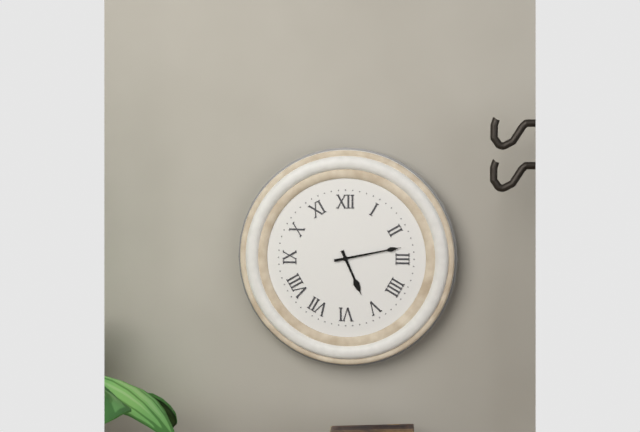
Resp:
5:13
